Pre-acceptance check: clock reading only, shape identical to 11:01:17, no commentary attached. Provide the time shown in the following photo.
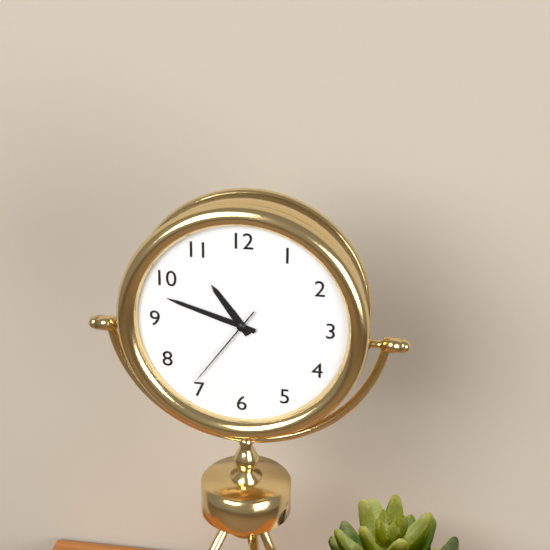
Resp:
10:48:36
